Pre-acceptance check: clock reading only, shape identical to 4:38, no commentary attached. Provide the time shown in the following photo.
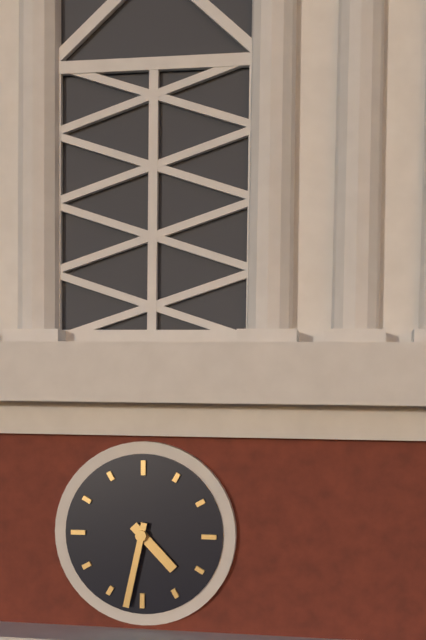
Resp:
4:32
